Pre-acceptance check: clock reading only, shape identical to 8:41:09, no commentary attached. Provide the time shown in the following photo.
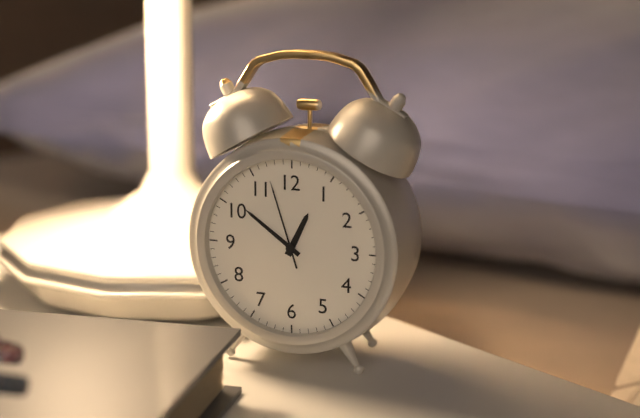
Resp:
12:51:57
